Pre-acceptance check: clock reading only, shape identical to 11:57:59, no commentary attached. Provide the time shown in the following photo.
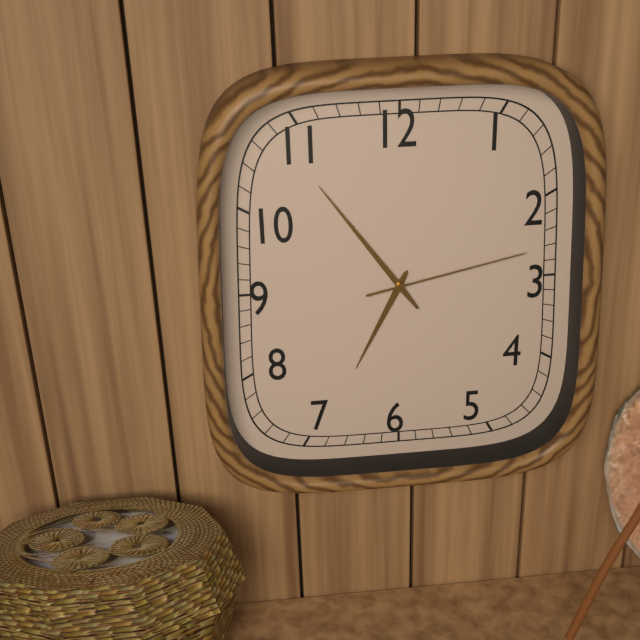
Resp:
6:54:13
